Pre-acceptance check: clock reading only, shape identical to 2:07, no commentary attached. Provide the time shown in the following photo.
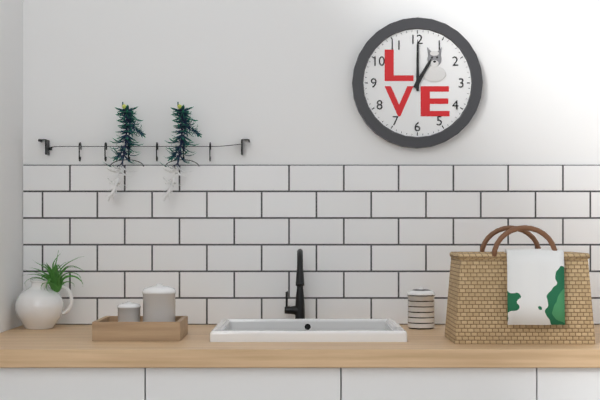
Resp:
1:00
